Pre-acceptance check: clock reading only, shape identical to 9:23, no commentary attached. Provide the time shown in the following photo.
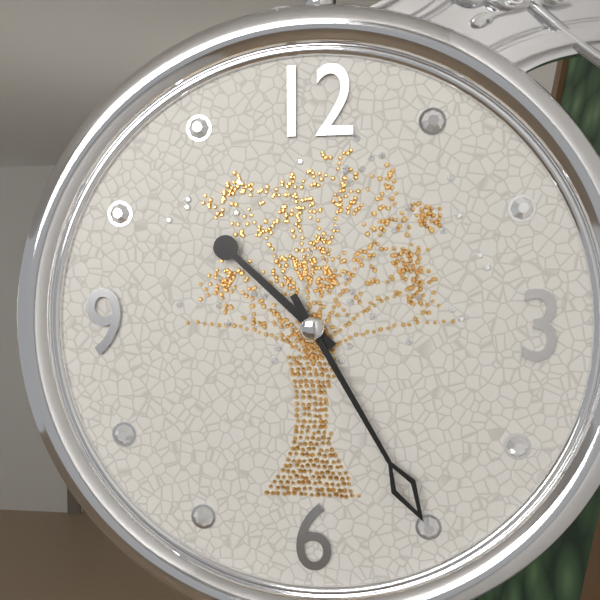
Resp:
10:25
